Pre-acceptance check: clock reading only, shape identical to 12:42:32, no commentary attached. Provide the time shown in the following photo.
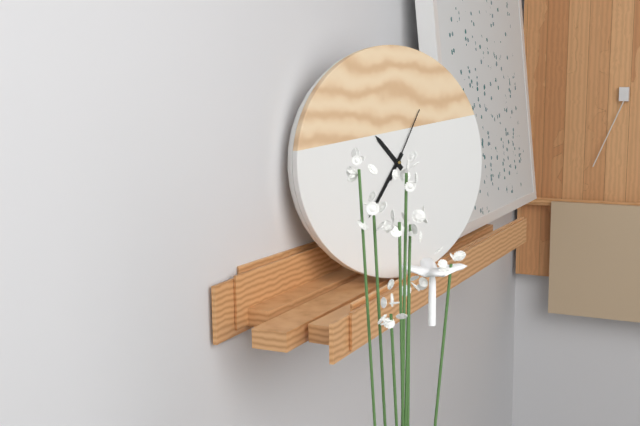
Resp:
10:36:05
